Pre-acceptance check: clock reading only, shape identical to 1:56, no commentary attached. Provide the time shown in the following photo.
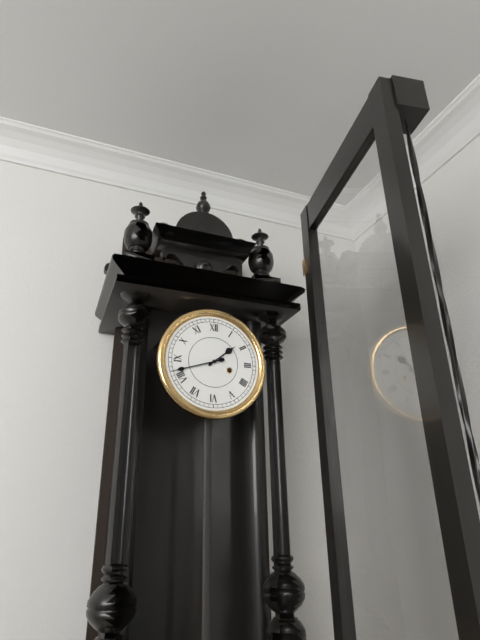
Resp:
1:42
